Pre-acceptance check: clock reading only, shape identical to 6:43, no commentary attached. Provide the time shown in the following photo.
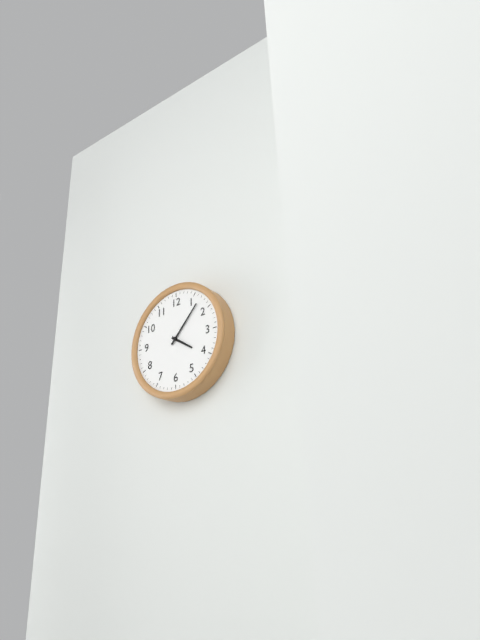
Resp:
4:07
